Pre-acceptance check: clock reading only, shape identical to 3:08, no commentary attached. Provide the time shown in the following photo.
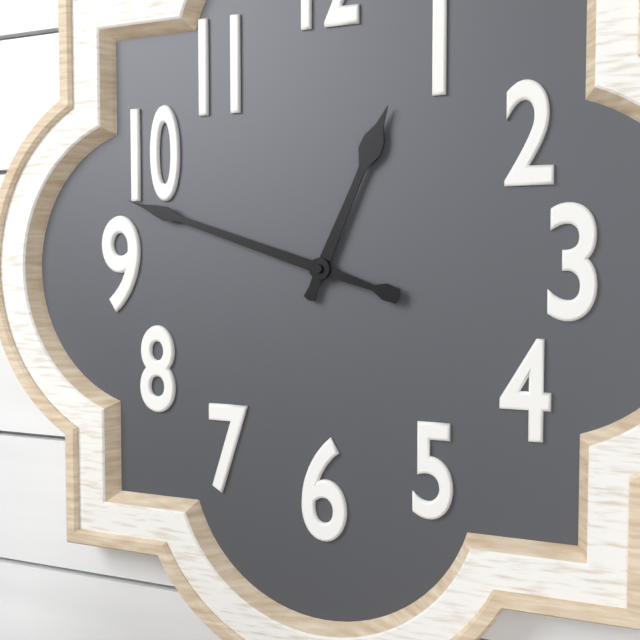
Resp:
12:48
